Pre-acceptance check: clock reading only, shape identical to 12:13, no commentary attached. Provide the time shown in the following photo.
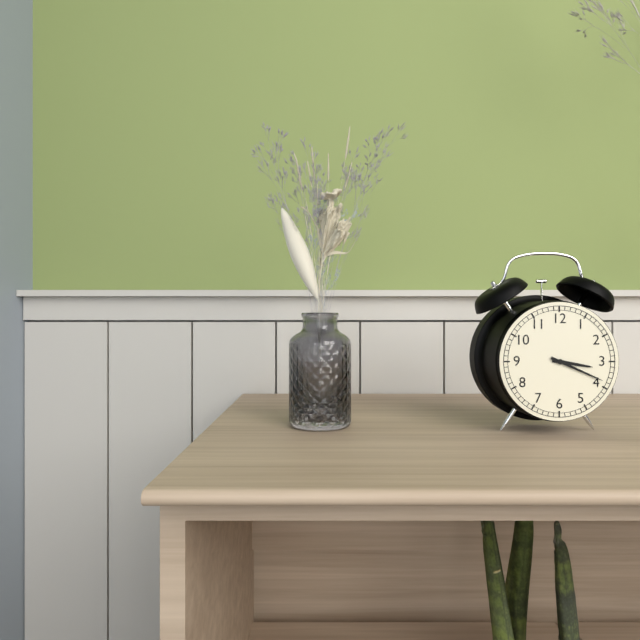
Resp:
3:19
